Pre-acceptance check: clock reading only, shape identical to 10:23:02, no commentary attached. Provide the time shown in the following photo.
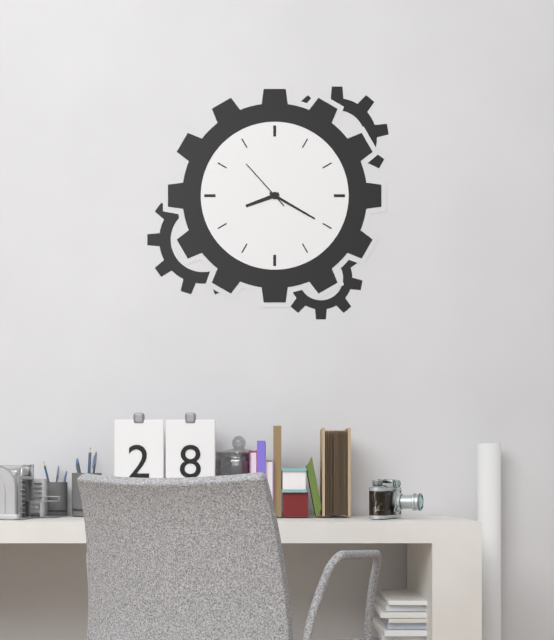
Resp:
8:20:53
